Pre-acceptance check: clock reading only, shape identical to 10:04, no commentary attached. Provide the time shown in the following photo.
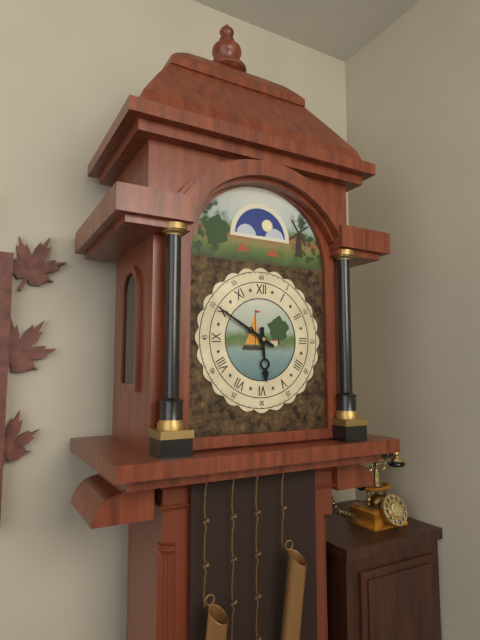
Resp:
5:50
